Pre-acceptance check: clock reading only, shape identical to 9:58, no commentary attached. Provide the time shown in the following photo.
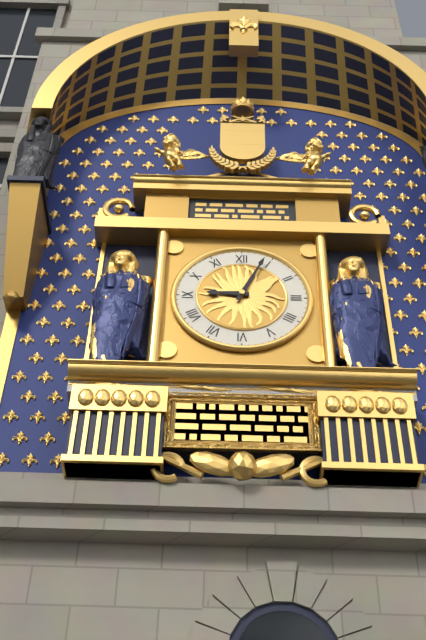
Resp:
9:04
